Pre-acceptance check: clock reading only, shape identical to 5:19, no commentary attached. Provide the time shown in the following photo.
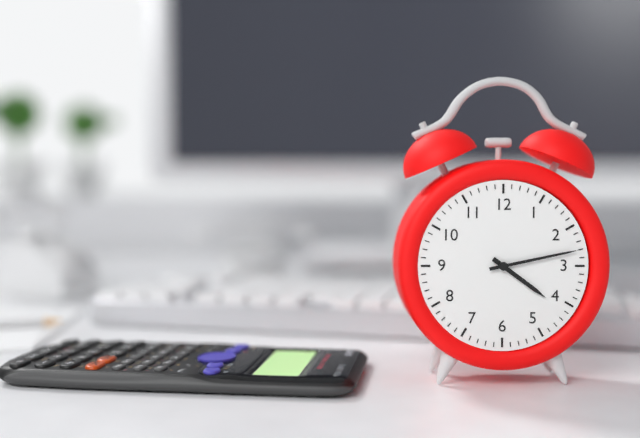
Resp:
4:13
